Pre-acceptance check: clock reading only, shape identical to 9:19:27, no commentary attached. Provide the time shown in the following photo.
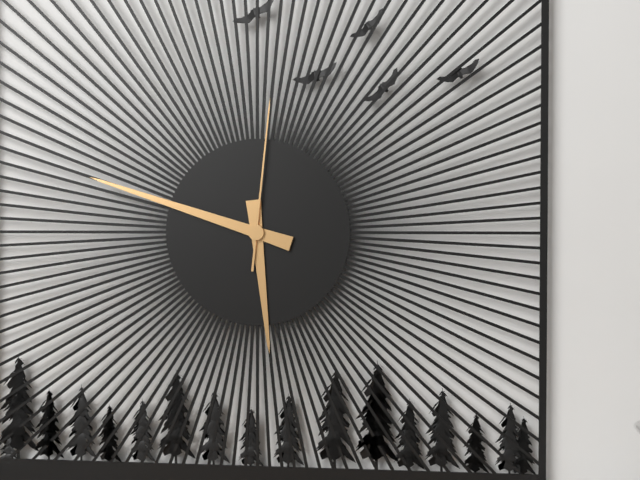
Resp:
5:48:01
